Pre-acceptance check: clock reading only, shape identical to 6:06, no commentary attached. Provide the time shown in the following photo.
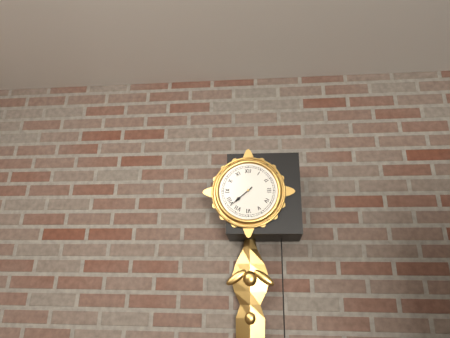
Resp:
7:38
